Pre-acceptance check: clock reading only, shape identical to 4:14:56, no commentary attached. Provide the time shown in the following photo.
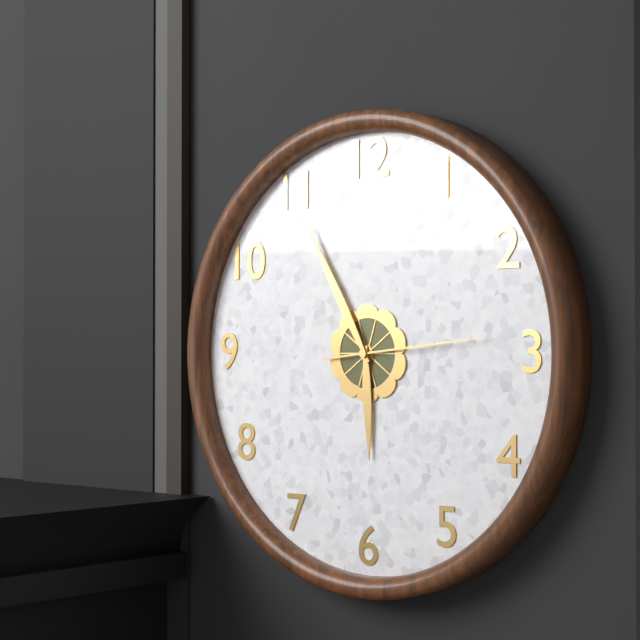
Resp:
5:55:14
